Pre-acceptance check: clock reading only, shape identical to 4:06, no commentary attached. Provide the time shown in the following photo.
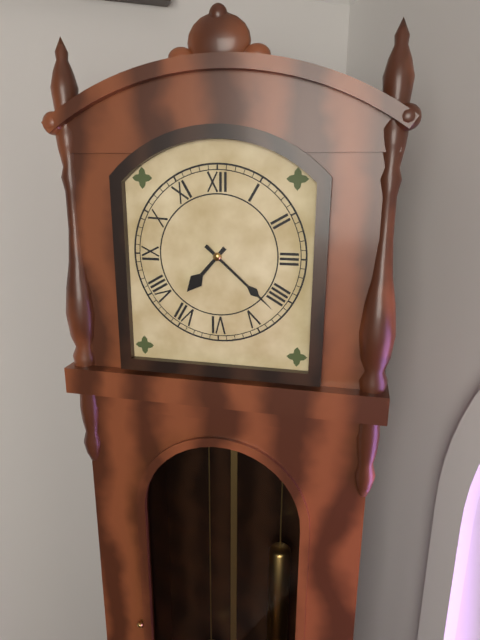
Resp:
7:22
